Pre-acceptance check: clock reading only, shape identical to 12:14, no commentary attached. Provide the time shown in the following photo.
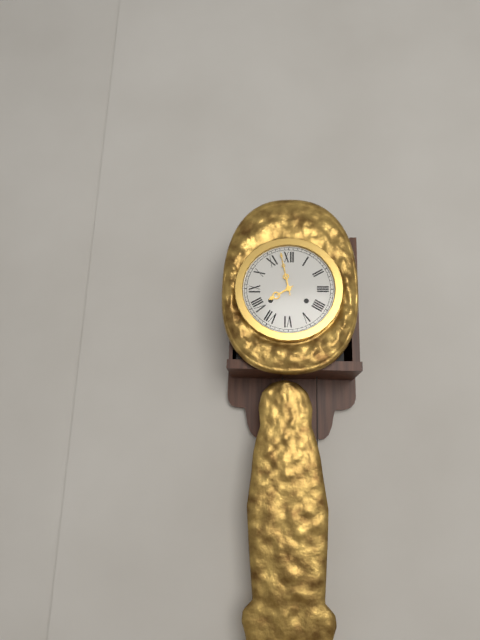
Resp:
7:58
